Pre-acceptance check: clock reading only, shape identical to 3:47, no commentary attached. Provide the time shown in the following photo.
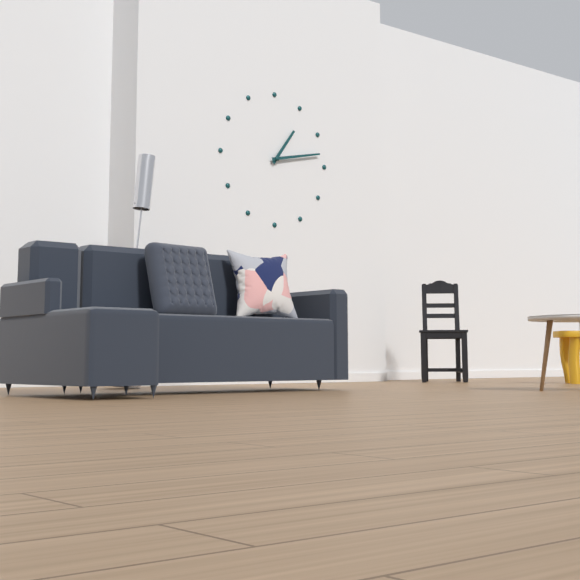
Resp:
1:13
